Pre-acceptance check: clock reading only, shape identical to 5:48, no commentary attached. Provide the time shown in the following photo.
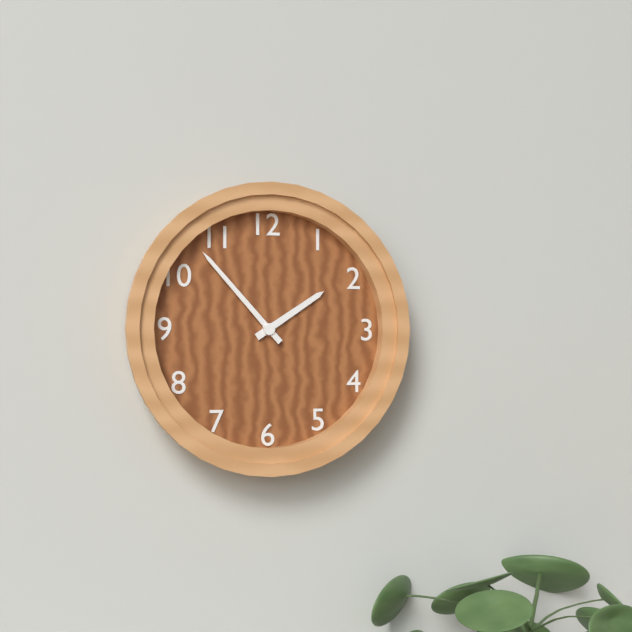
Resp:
1:53
